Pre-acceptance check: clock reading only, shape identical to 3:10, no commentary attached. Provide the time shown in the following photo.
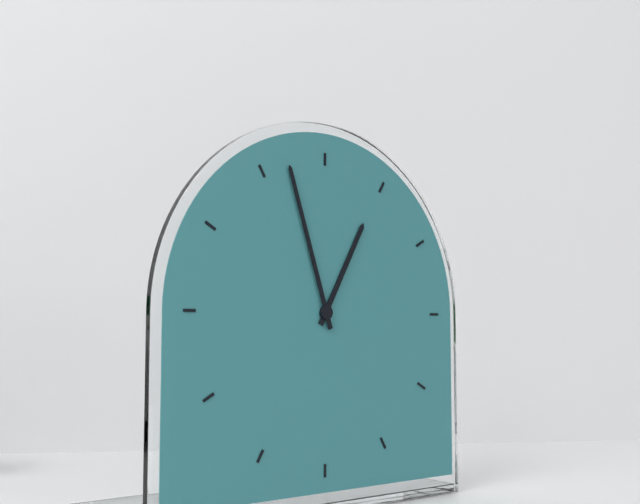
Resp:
12:57
